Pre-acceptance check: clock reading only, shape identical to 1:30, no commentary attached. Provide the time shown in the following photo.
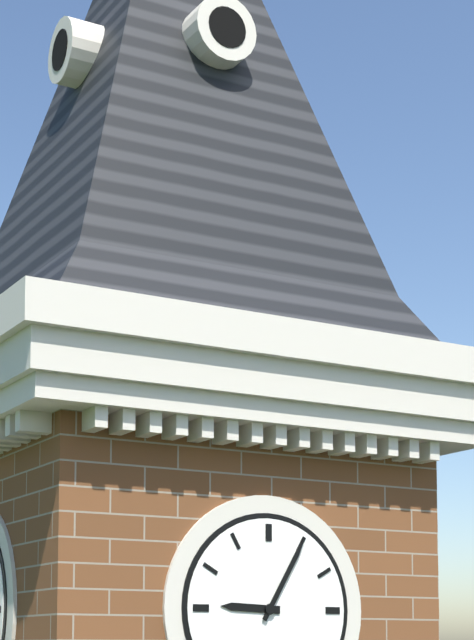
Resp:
9:05
